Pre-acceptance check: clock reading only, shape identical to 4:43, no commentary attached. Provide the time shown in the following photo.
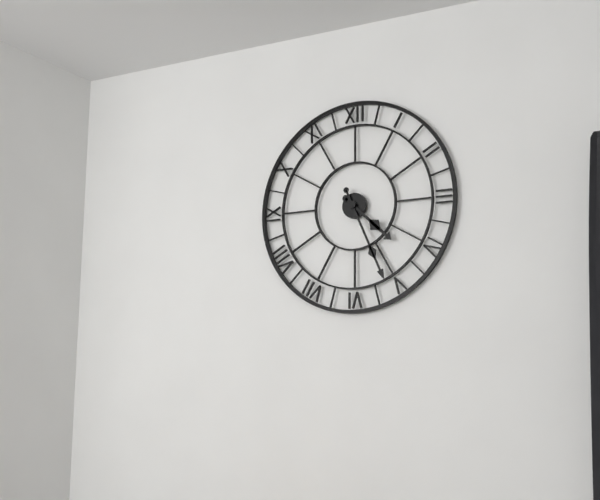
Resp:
4:26
